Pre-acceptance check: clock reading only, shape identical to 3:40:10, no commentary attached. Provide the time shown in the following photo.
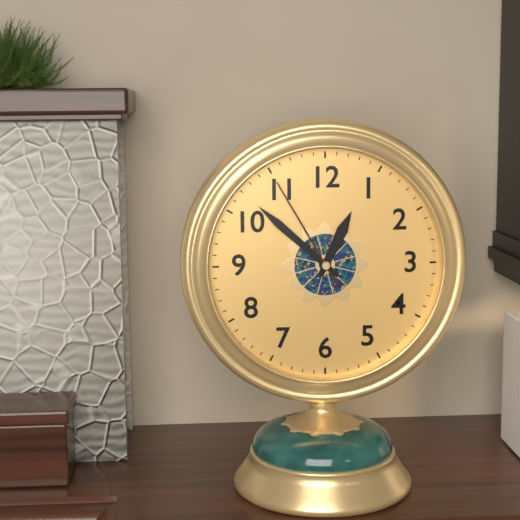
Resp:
12:52:55
